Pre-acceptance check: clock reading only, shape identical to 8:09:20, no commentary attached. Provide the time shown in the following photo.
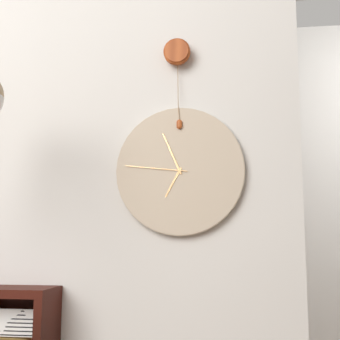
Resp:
6:56:46
